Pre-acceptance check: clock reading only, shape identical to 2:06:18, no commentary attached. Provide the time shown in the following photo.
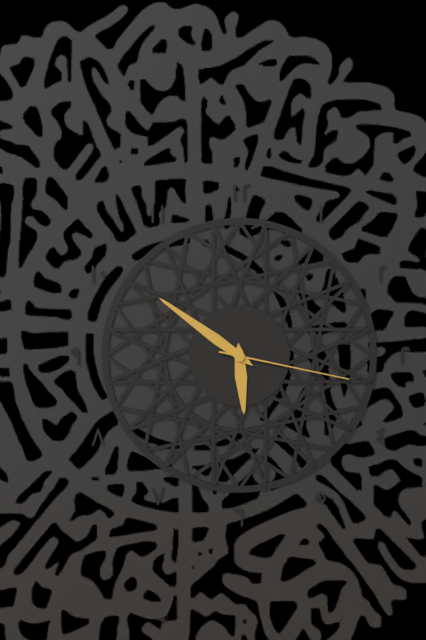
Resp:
5:51:17
